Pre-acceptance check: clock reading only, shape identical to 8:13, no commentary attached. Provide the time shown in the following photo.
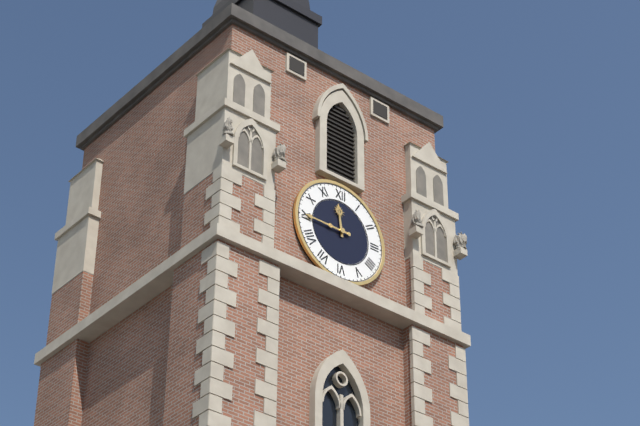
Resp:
11:45
